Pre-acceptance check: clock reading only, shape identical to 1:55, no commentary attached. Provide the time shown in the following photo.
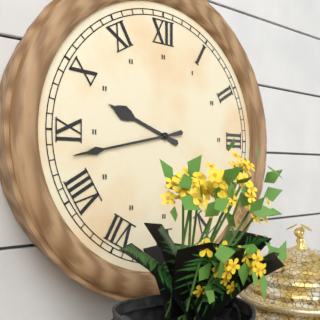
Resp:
9:43
